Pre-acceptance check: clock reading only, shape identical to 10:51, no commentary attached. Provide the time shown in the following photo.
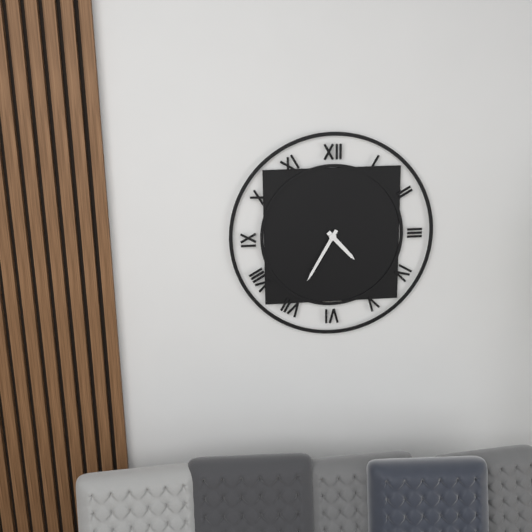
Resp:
4:35
